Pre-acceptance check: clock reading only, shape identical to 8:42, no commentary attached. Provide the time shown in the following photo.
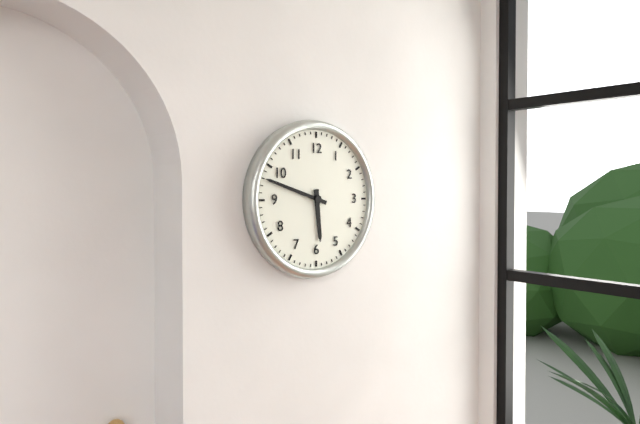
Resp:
5:48
